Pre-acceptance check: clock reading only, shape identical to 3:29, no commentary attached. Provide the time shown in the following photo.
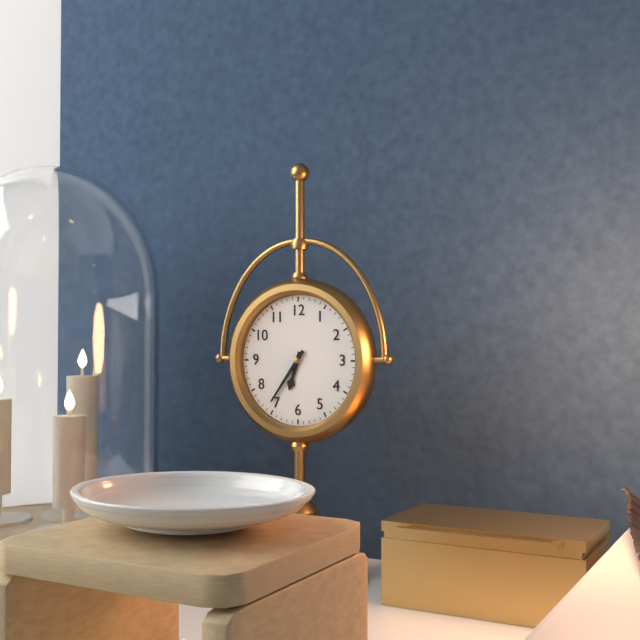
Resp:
6:36
